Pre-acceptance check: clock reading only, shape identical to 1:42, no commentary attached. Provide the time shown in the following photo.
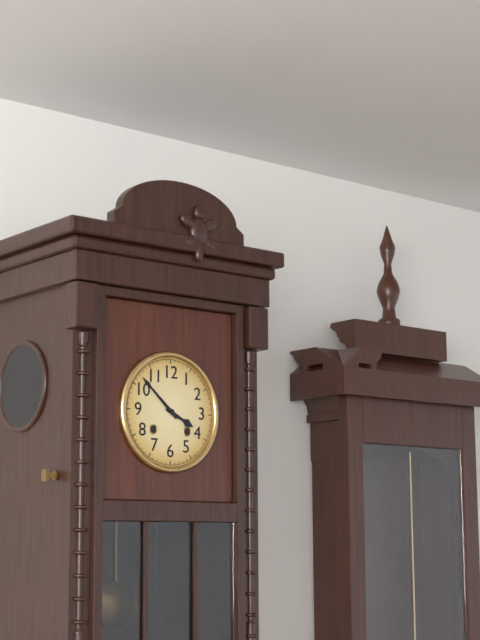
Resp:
3:52
